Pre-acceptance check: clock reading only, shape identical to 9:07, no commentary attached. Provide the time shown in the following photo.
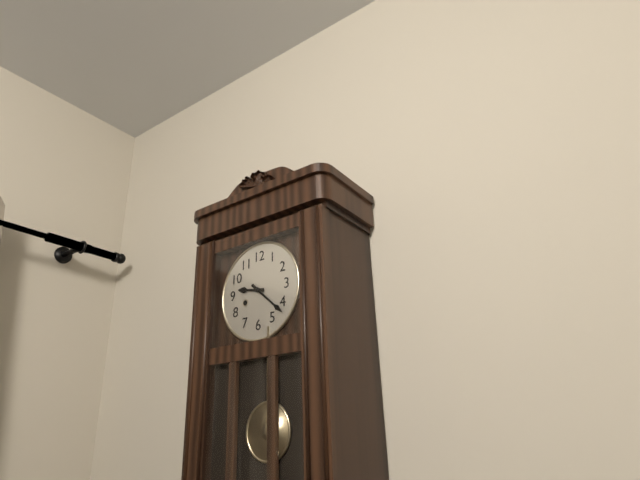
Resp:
9:22
